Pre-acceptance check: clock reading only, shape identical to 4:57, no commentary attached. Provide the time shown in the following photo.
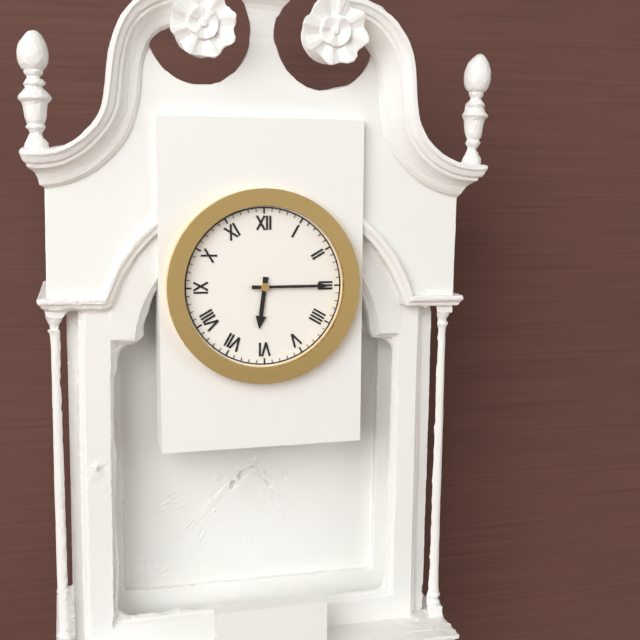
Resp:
6:15
